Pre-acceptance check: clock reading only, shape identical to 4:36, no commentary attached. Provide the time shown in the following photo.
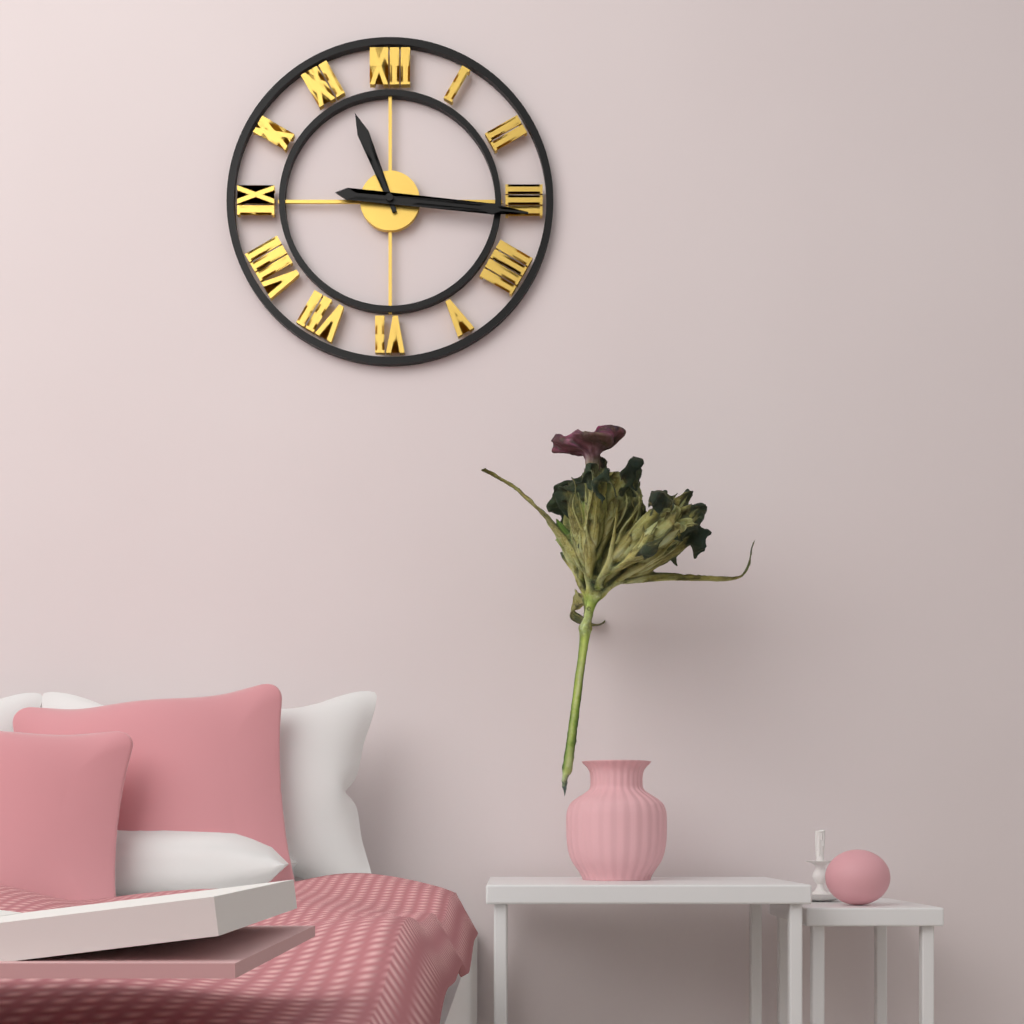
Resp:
11:16
